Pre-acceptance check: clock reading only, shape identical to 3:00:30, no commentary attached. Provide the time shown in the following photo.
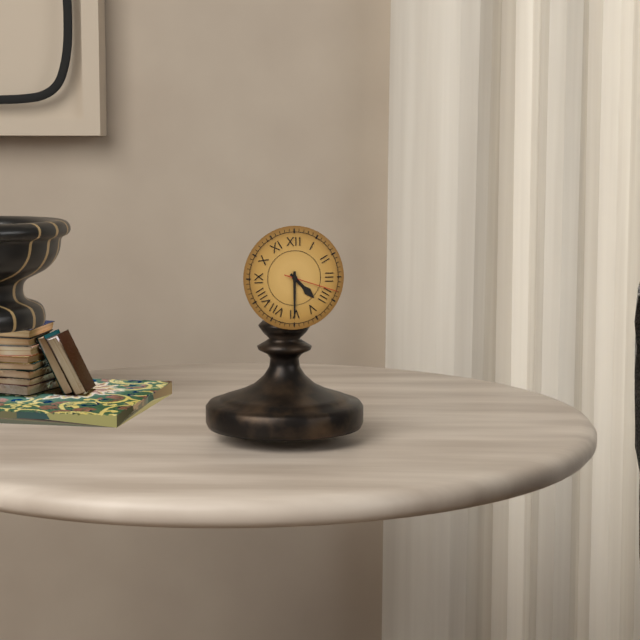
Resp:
4:30:18
